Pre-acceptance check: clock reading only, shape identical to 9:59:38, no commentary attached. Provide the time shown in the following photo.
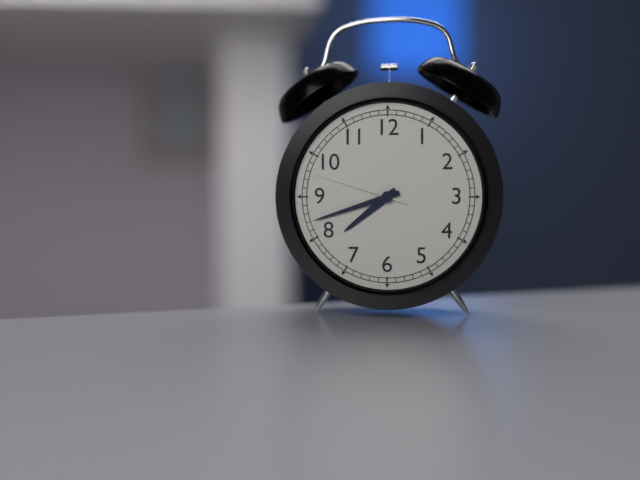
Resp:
7:42:48
